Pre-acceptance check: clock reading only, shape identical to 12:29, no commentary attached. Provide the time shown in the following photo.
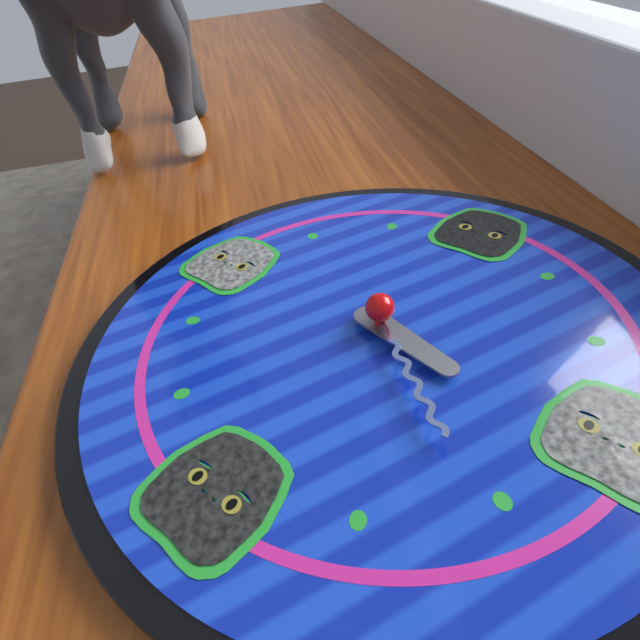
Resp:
3:21
